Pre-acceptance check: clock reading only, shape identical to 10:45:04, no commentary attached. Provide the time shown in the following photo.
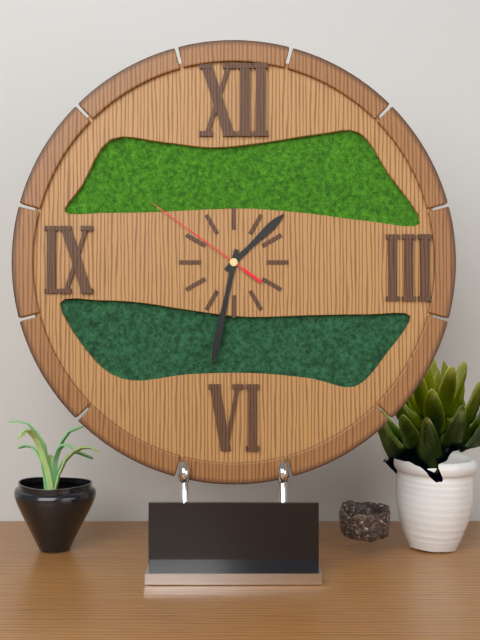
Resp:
1:32:51
